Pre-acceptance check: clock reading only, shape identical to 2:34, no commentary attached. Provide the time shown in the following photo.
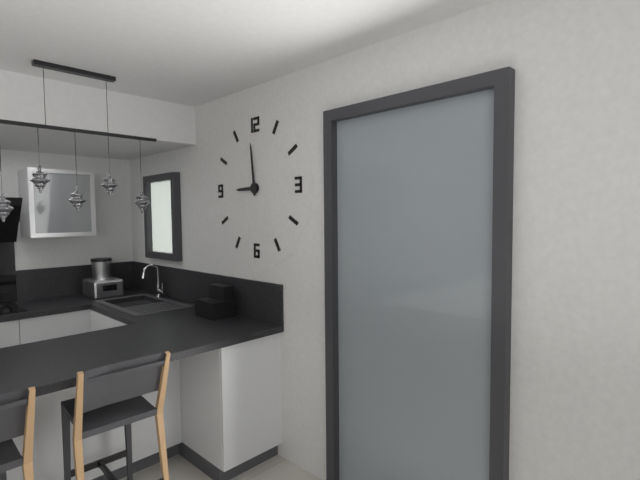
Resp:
8:59
